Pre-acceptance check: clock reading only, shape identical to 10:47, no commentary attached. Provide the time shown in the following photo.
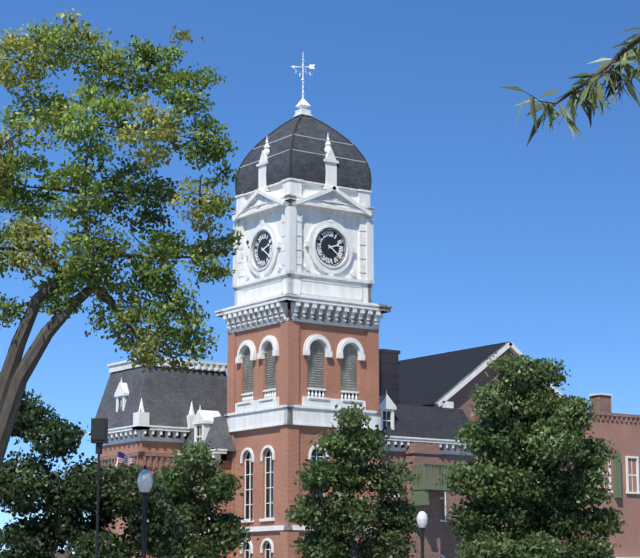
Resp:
2:21
